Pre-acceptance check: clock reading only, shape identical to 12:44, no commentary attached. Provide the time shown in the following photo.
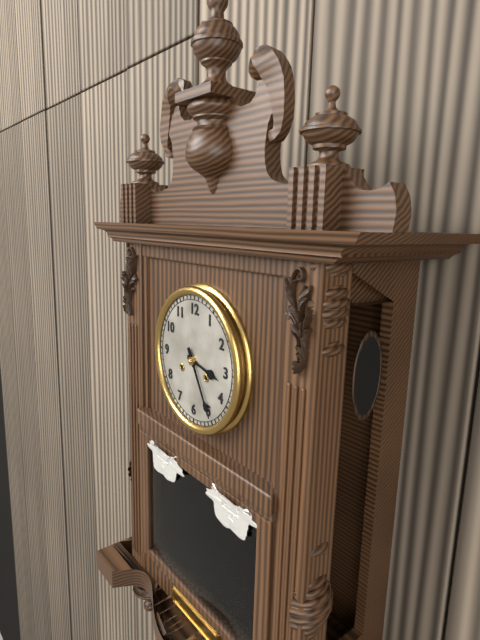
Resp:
3:25
